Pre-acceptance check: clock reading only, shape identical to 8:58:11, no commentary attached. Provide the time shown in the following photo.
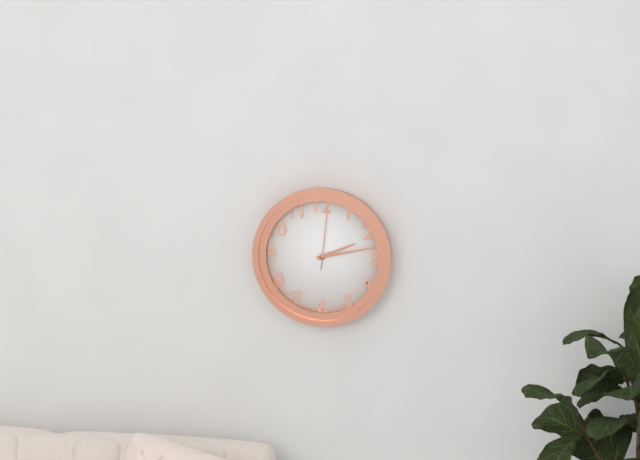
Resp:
2:13:01
